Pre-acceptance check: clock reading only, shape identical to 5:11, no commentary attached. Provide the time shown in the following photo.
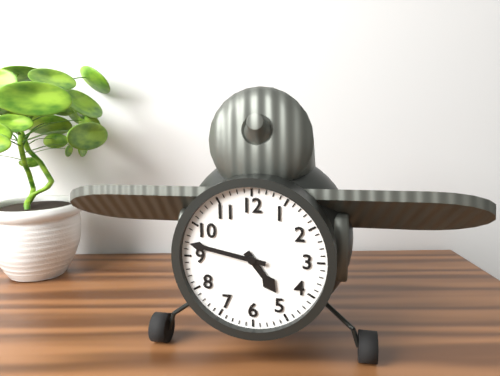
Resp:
4:47
